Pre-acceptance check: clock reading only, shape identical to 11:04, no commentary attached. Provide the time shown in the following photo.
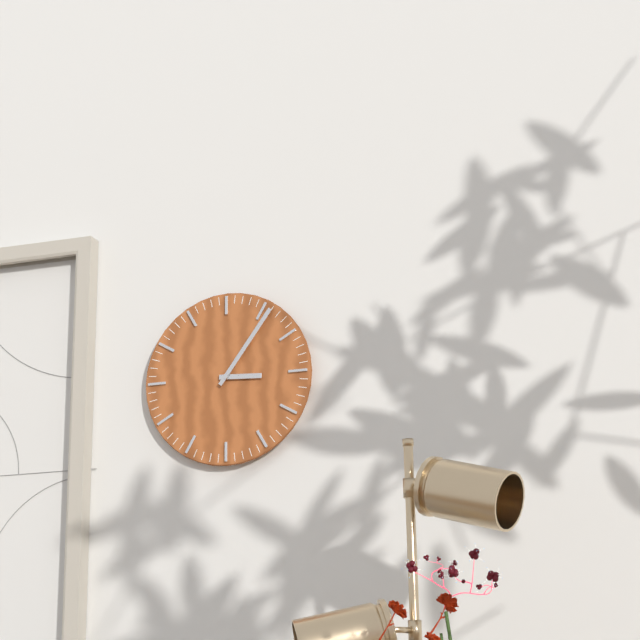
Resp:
3:06
